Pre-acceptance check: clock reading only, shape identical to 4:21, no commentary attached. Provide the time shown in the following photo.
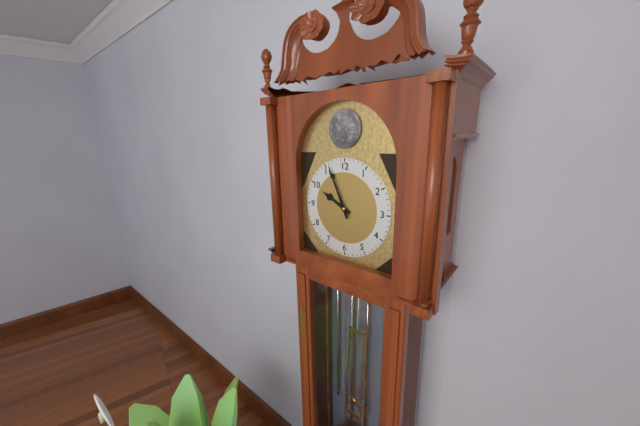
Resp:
9:56
